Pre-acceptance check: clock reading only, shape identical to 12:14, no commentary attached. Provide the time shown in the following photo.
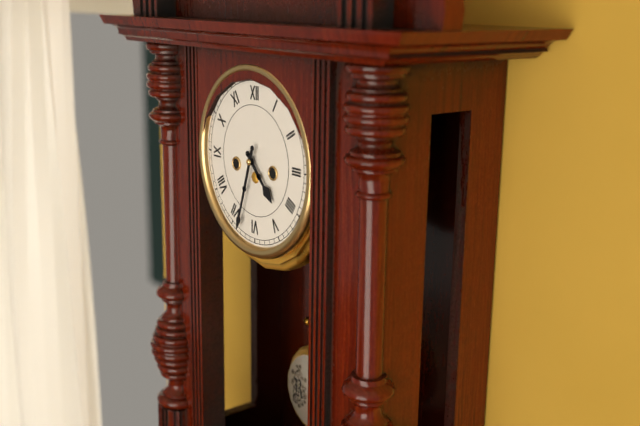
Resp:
4:33
